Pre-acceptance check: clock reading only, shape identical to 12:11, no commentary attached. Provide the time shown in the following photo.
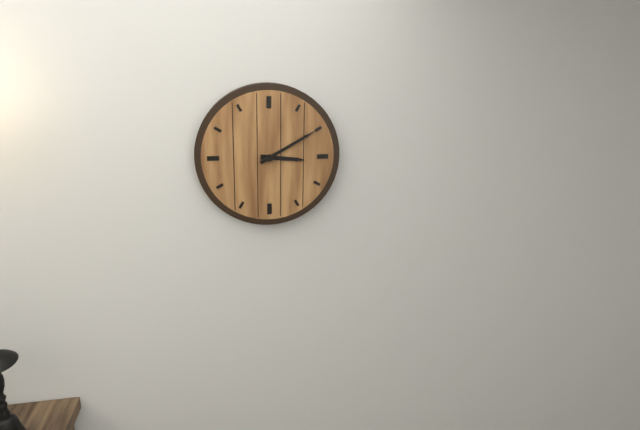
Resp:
3:10
